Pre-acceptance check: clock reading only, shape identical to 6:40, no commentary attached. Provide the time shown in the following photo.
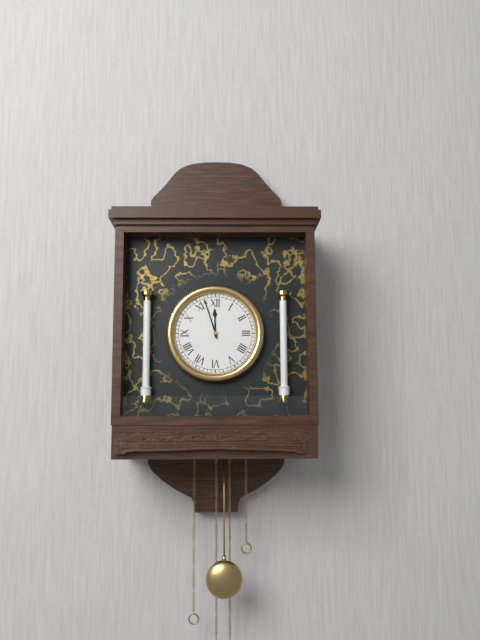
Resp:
11:57
